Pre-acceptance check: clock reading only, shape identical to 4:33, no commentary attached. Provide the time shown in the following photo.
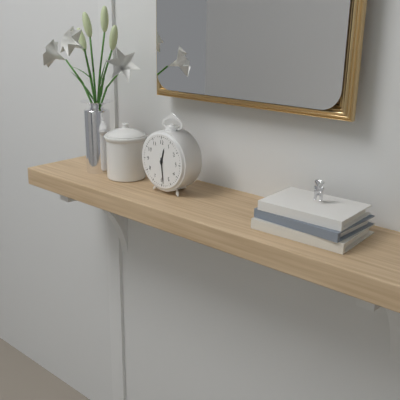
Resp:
12:29
